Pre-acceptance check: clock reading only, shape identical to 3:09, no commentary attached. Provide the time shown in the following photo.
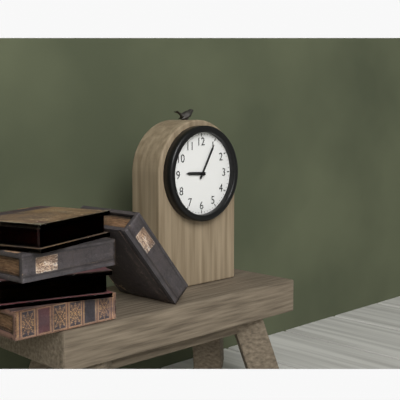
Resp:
9:05
